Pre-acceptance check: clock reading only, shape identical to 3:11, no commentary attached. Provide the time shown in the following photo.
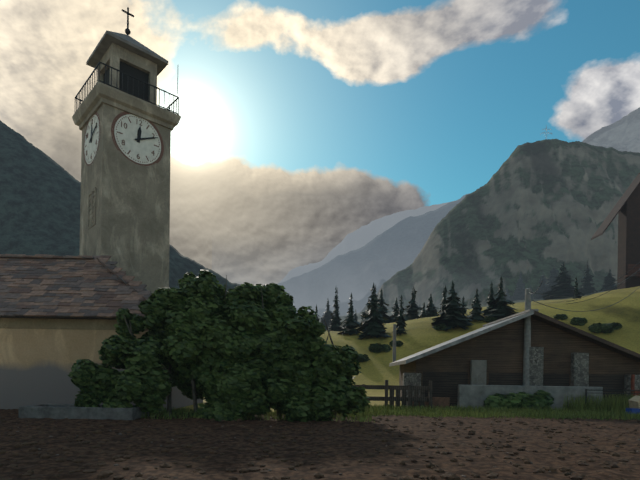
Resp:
12:11
